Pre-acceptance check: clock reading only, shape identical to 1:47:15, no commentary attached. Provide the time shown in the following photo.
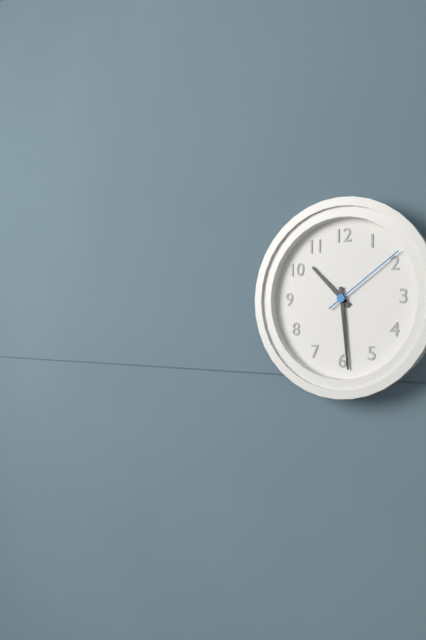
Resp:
10:29:09
